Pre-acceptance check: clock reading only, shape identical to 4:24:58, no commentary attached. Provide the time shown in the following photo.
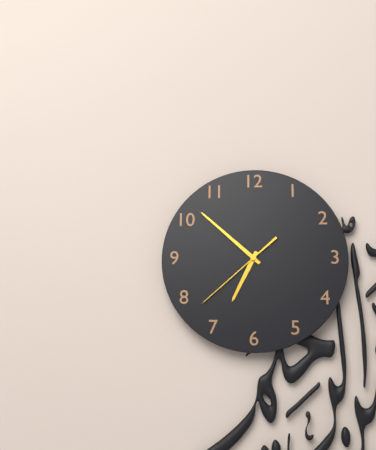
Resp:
6:52:38
